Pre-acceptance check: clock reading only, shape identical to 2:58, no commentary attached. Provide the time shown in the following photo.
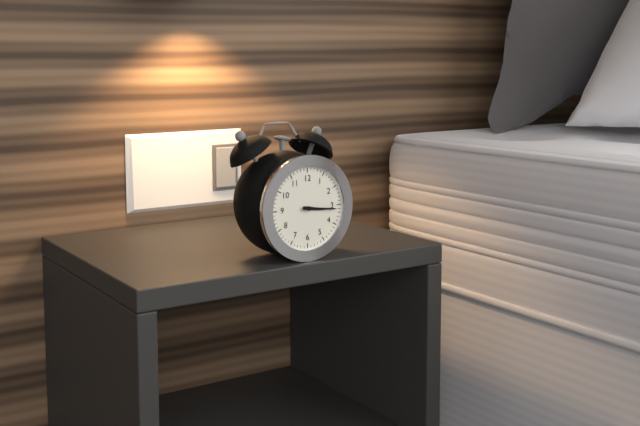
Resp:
3:16
